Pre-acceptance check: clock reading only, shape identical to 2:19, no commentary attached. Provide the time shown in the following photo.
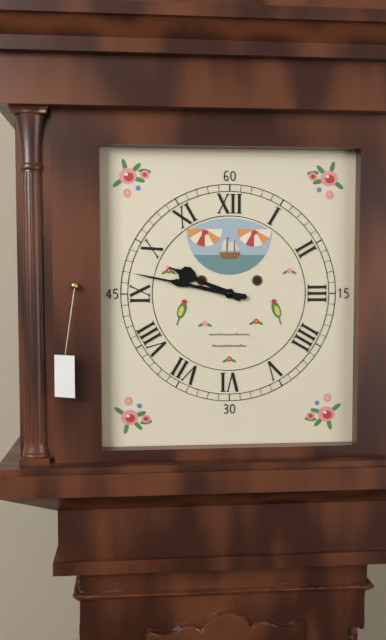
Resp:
9:47
